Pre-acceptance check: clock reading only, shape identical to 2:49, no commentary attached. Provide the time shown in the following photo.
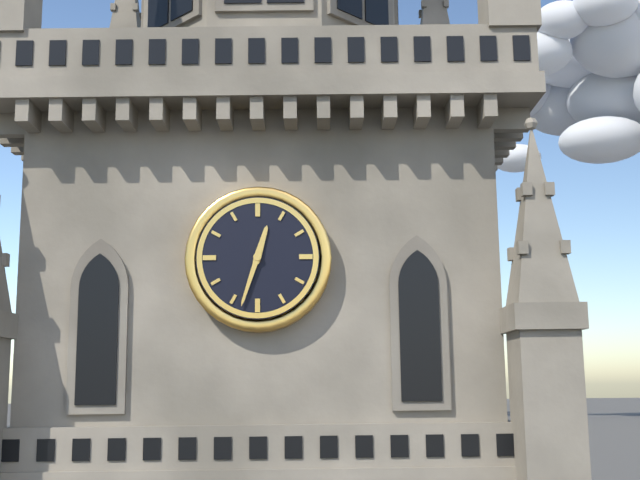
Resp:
12:33
